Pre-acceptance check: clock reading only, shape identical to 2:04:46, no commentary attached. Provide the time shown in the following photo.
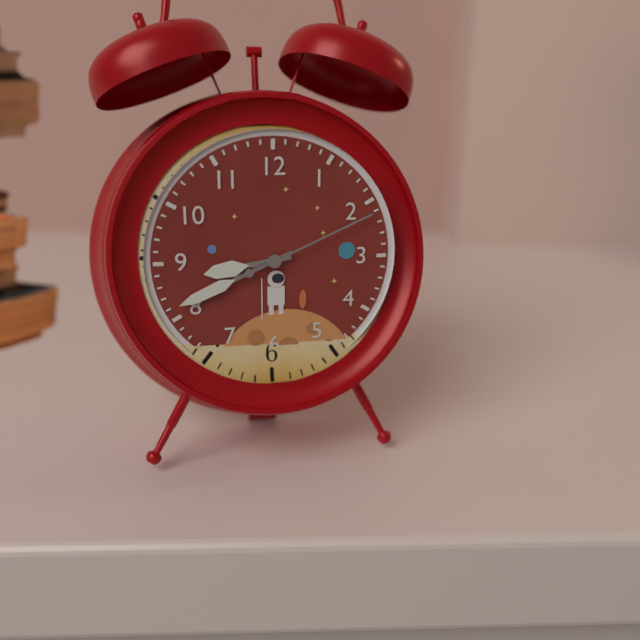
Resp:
8:41:11
